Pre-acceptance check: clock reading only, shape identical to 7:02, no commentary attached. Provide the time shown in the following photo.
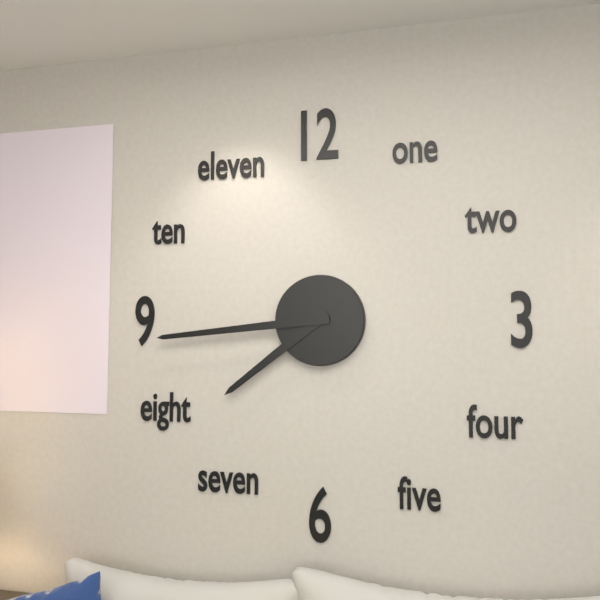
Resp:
7:44
